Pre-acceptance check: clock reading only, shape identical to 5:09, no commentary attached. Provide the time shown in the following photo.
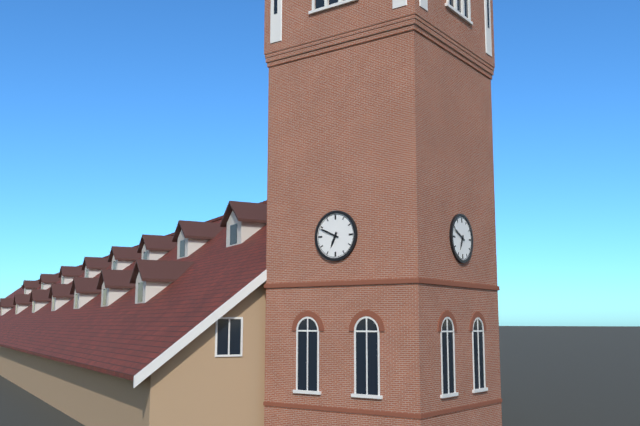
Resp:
6:49
